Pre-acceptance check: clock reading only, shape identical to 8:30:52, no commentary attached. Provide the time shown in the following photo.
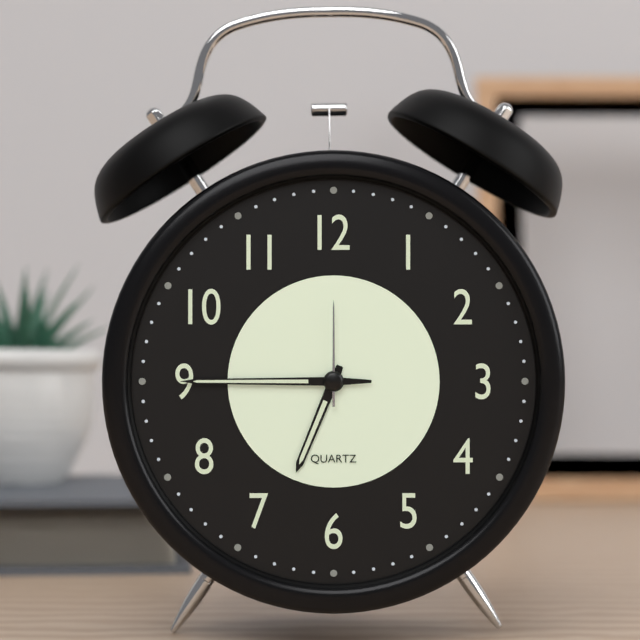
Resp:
6:45:00
